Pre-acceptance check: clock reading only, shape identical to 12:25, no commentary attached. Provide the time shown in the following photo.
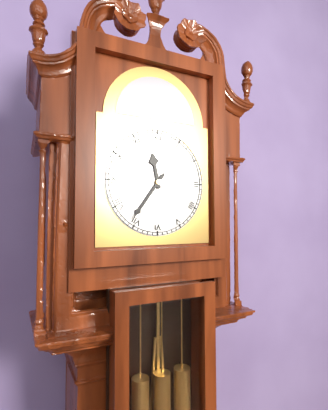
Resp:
11:36
